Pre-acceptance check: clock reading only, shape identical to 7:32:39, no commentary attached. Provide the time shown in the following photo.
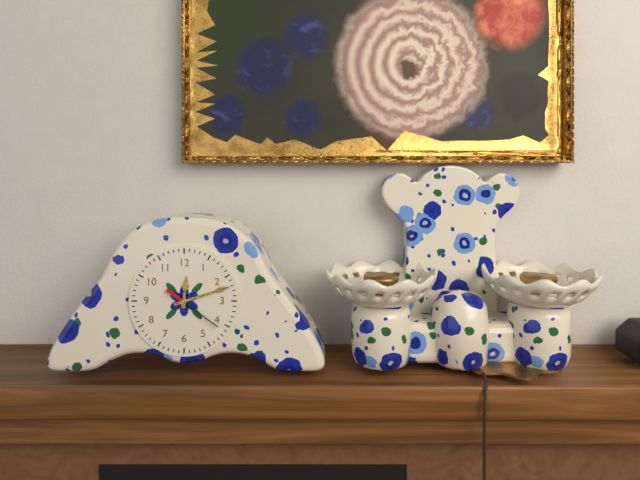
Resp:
12:12:21
